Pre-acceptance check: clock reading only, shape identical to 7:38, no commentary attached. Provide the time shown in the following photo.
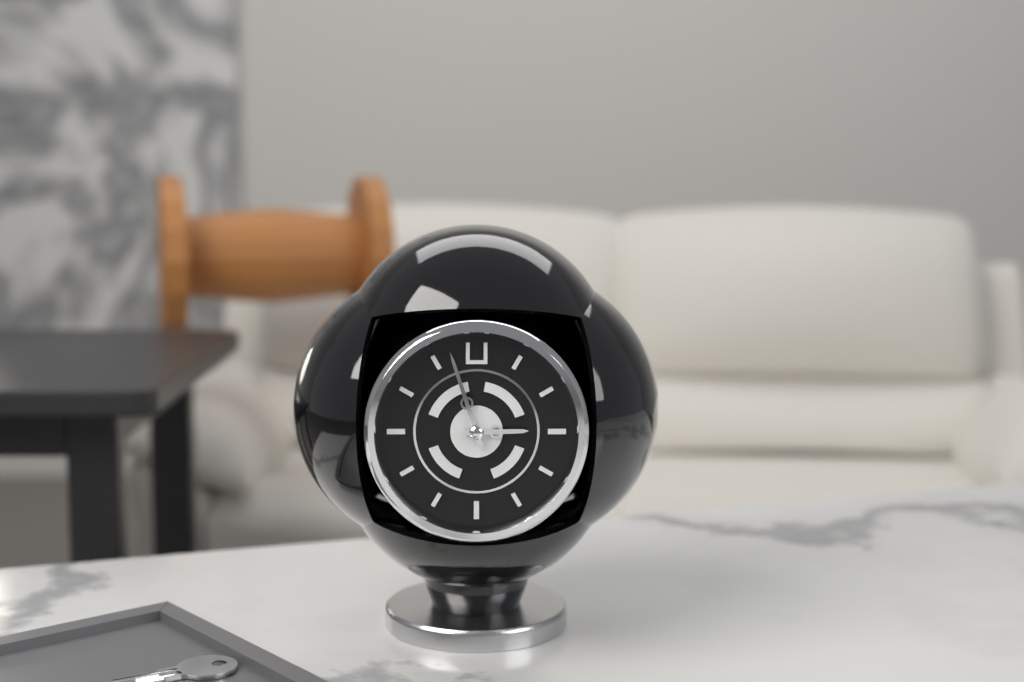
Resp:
2:57
